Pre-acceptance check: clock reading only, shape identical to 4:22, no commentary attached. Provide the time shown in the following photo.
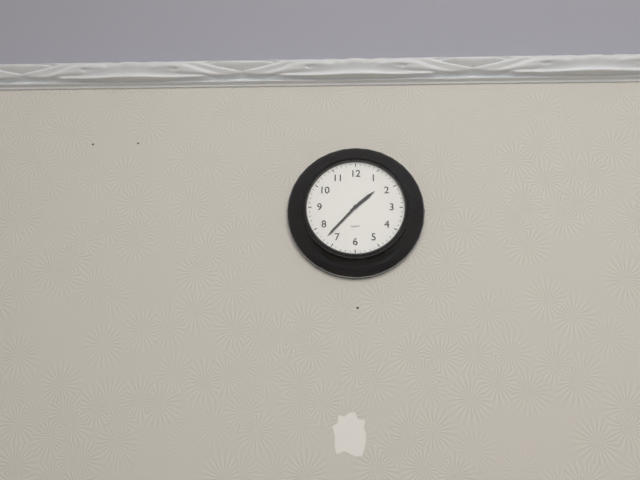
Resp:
1:37
